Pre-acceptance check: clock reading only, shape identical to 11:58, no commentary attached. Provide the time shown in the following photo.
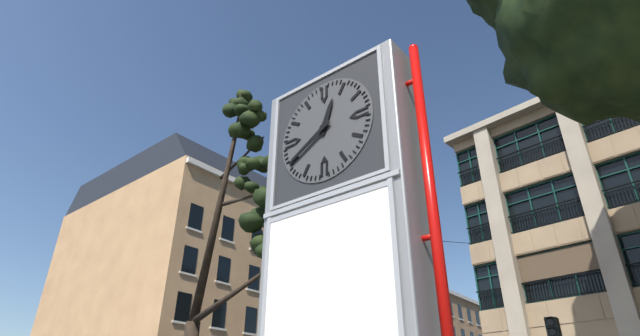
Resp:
12:40
